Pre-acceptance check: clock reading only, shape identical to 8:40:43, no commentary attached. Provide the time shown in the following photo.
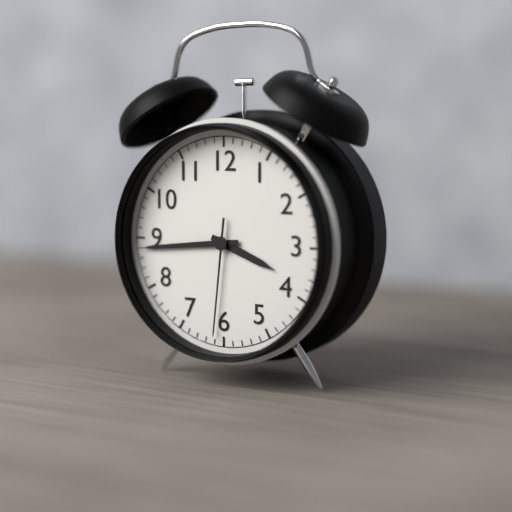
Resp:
3:44:31
